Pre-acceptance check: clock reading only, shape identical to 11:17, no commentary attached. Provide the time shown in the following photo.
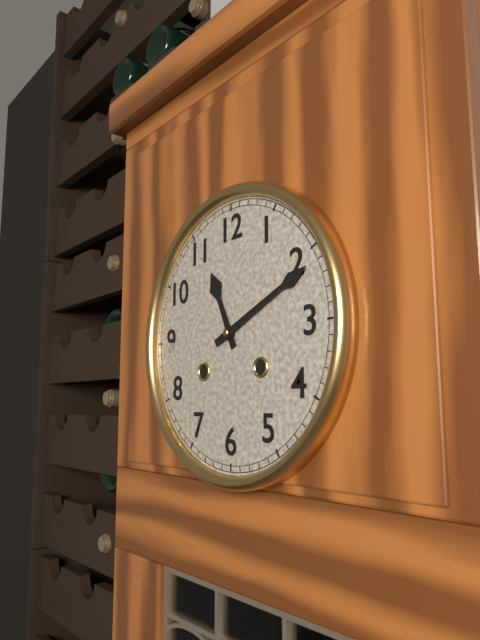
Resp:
11:11
